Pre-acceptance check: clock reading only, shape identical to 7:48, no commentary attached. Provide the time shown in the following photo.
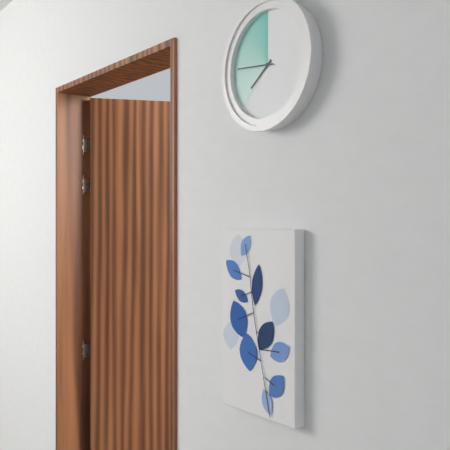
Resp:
7:46
